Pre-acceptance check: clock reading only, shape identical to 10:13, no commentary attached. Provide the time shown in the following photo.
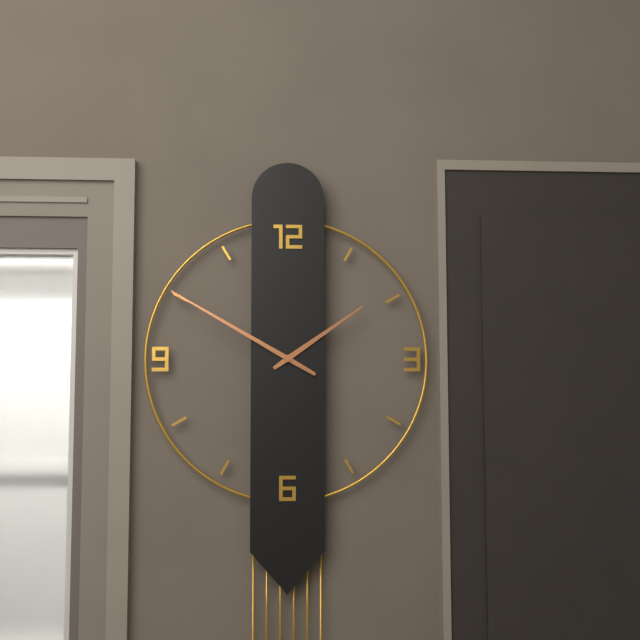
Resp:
1:50
